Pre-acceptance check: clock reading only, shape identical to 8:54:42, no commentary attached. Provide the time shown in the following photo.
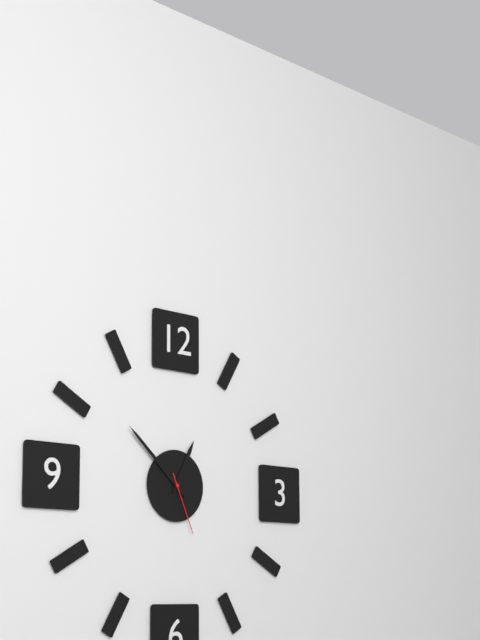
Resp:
12:52:26
